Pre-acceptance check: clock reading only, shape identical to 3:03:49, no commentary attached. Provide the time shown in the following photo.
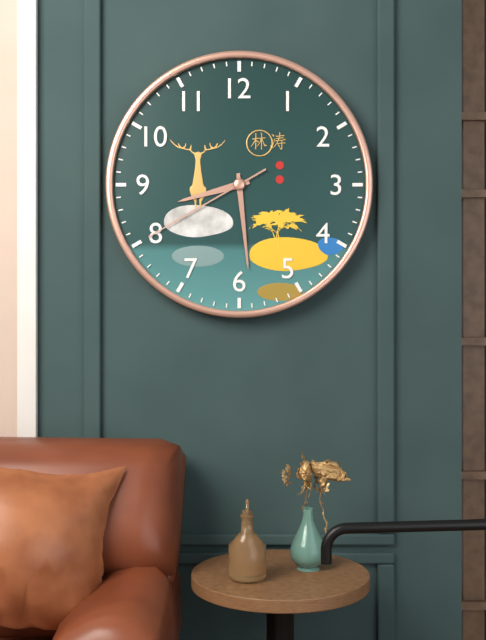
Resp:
8:29:40
